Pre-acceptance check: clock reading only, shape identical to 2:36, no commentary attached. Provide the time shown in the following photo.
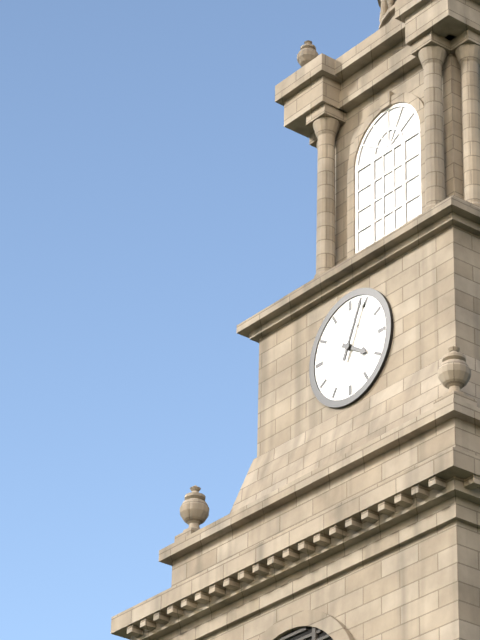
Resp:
4:04
